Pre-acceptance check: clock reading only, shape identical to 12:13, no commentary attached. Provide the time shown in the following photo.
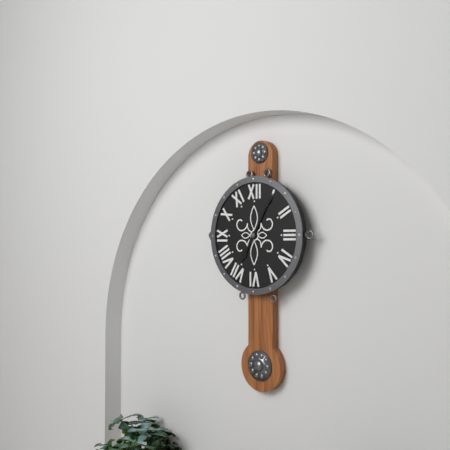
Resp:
7:05
